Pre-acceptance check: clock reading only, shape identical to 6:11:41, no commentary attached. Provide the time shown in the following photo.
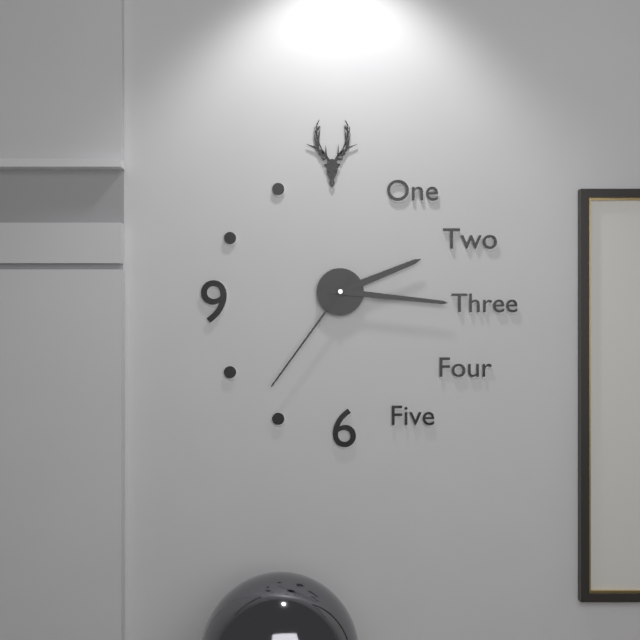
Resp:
2:16:36
